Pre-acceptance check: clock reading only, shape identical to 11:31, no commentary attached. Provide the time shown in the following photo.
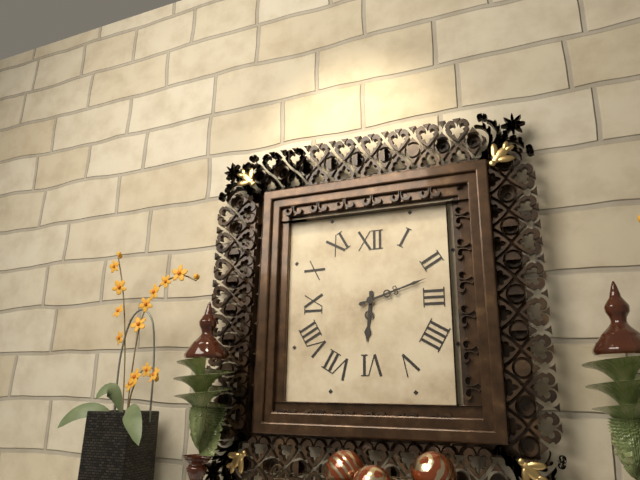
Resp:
6:12
